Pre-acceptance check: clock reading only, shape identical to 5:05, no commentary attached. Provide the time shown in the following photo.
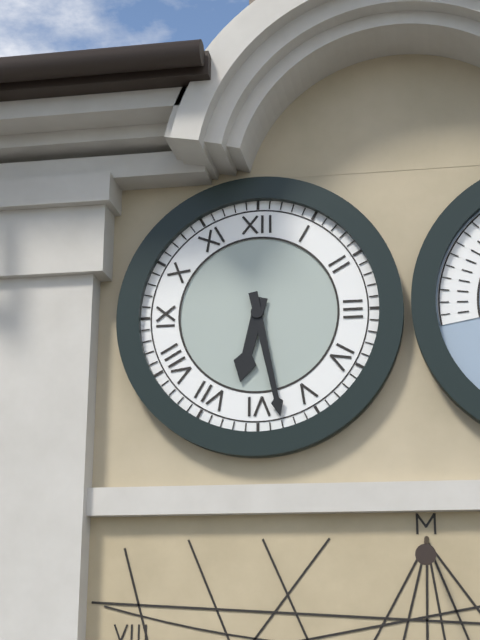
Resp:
6:28
